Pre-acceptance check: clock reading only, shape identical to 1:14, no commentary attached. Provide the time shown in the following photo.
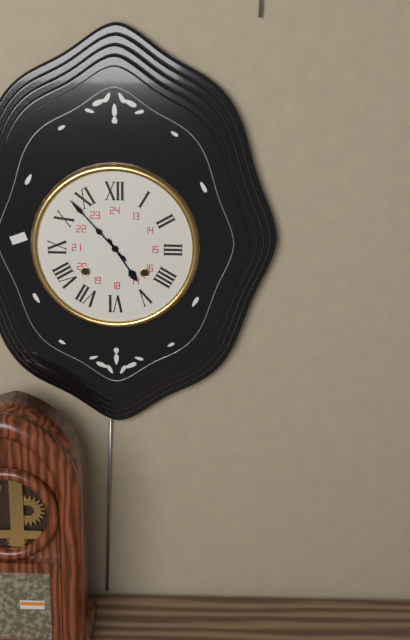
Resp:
4:53
